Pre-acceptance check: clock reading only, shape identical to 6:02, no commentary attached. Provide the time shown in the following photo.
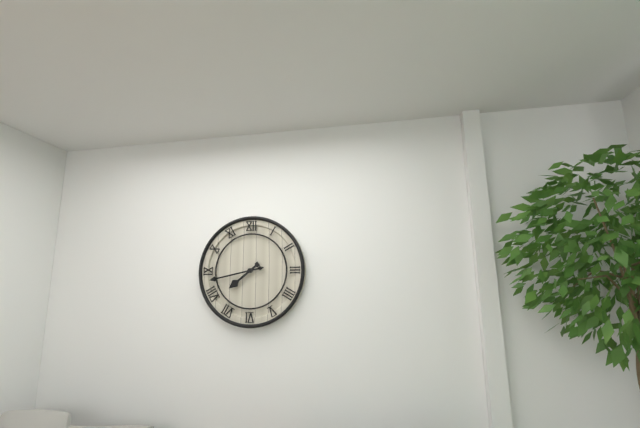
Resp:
7:43
